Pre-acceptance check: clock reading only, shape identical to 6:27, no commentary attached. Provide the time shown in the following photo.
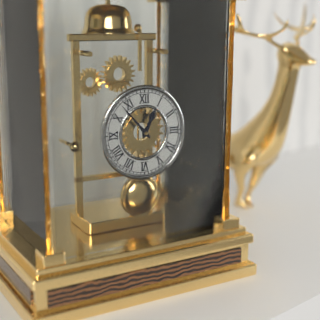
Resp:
12:53
